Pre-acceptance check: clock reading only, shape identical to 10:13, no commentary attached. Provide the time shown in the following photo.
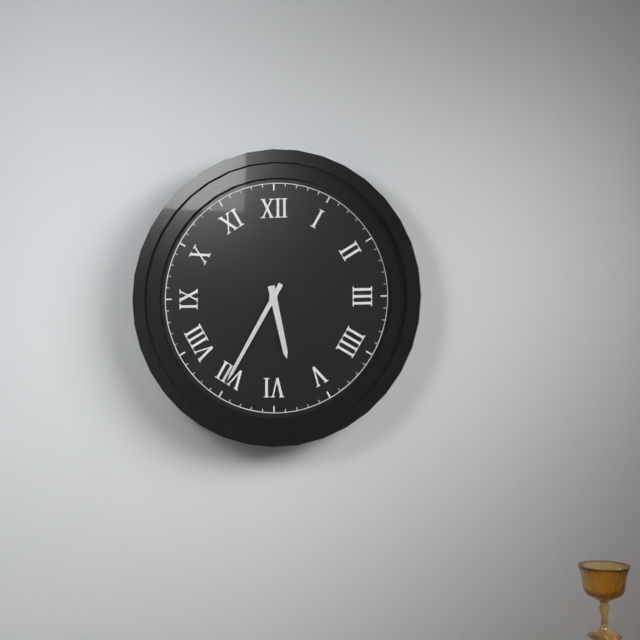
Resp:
5:35
